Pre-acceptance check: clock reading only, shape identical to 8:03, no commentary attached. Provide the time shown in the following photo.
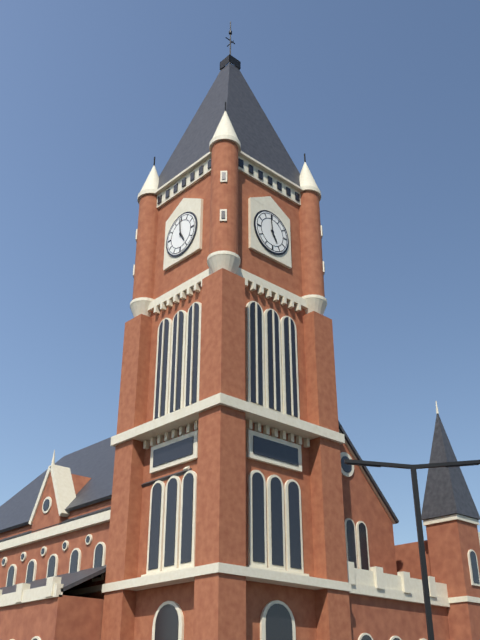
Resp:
4:59
